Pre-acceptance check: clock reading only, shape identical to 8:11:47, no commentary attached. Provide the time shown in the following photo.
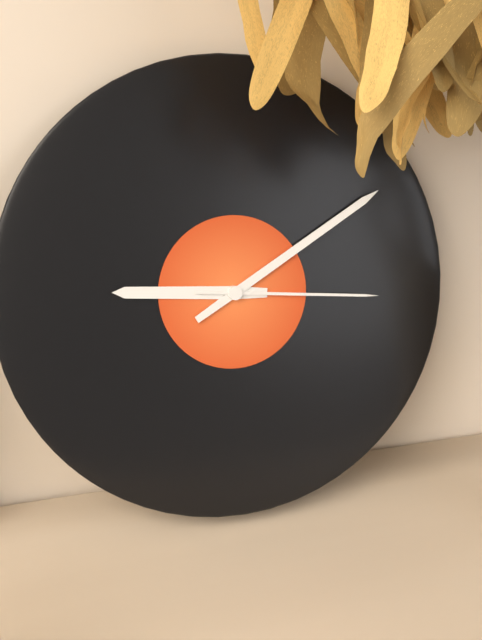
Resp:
9:10:16
